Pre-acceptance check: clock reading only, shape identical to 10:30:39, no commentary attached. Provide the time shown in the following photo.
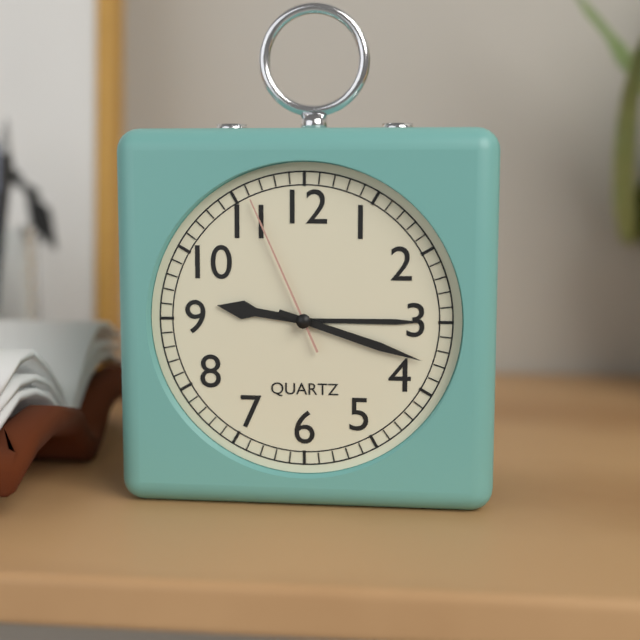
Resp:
9:18:56
